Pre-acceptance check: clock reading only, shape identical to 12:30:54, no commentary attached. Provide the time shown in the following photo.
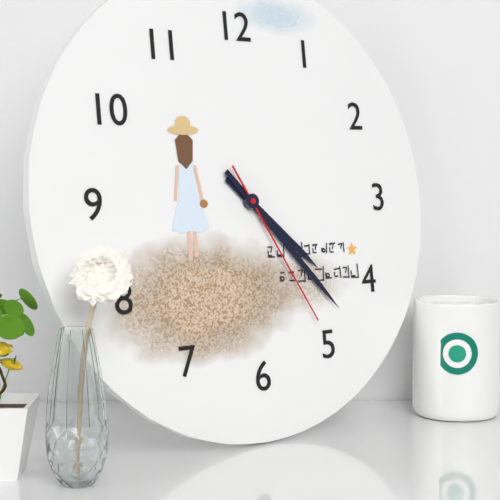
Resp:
4:23:25
